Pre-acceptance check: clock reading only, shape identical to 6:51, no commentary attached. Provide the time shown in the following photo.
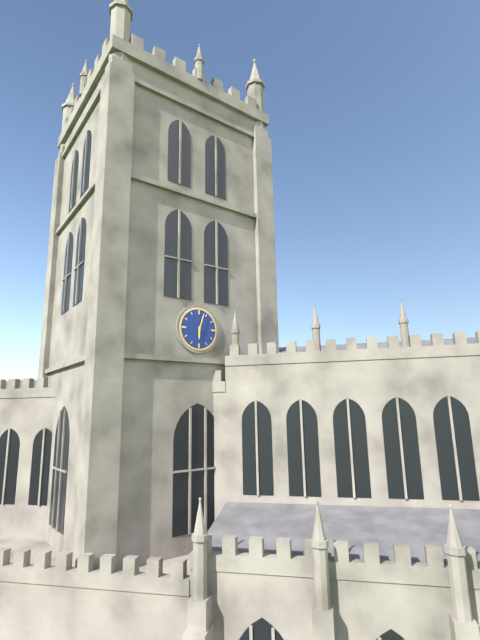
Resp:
6:03
